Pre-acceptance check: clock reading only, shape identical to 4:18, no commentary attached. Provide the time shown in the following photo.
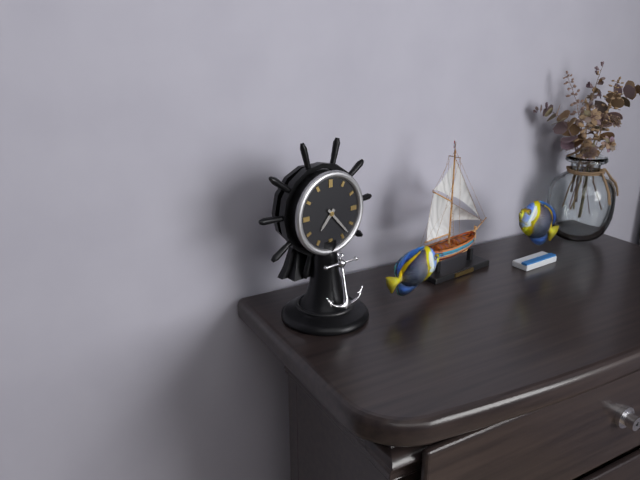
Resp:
7:23
